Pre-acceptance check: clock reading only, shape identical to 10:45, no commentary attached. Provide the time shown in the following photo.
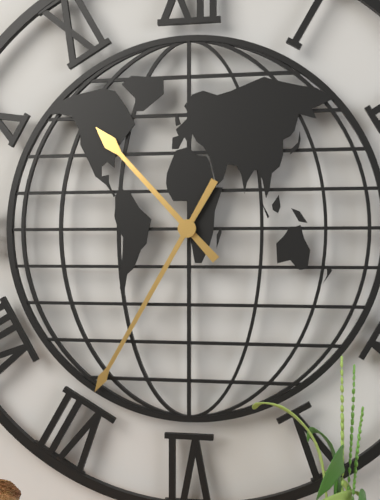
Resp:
10:35
